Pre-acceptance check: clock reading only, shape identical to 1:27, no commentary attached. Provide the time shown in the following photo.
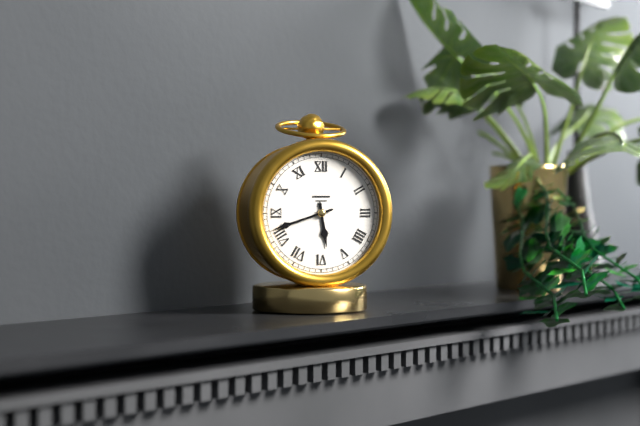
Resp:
5:42
